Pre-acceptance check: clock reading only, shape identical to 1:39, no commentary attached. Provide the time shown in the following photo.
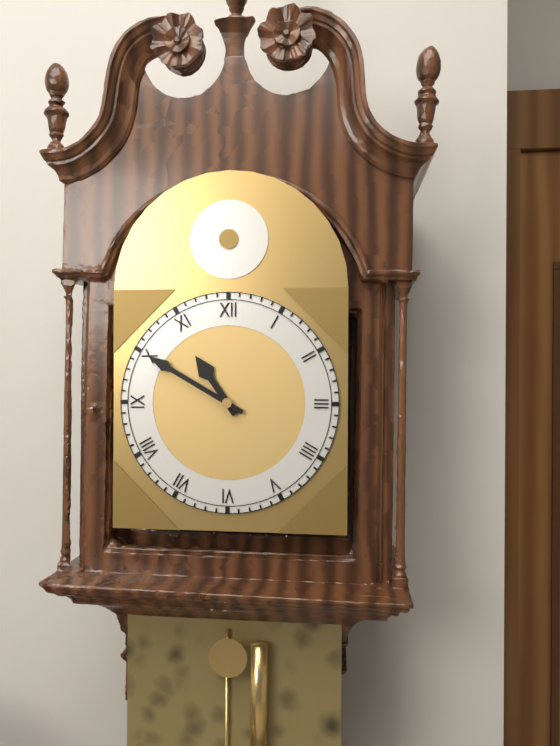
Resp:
10:50
